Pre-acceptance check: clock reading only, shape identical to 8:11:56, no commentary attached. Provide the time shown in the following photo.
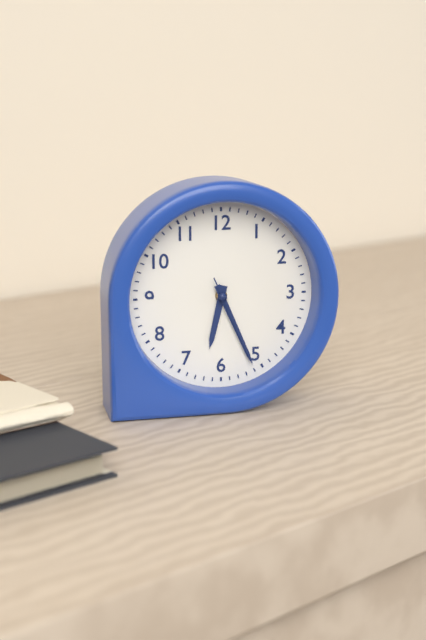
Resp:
6:26:26
